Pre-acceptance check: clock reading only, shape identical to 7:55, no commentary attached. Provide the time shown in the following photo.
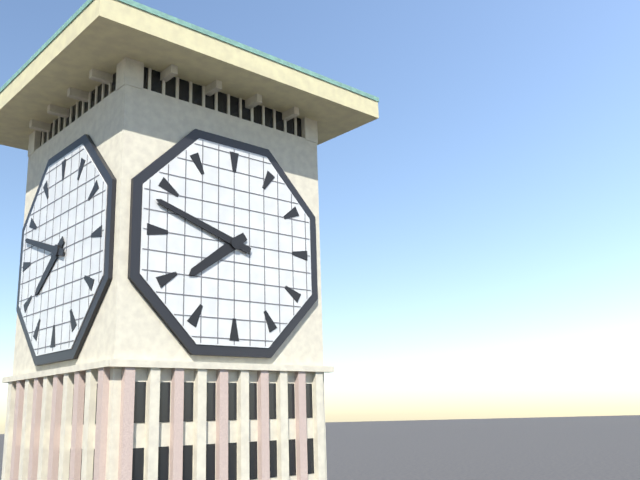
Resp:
7:48
